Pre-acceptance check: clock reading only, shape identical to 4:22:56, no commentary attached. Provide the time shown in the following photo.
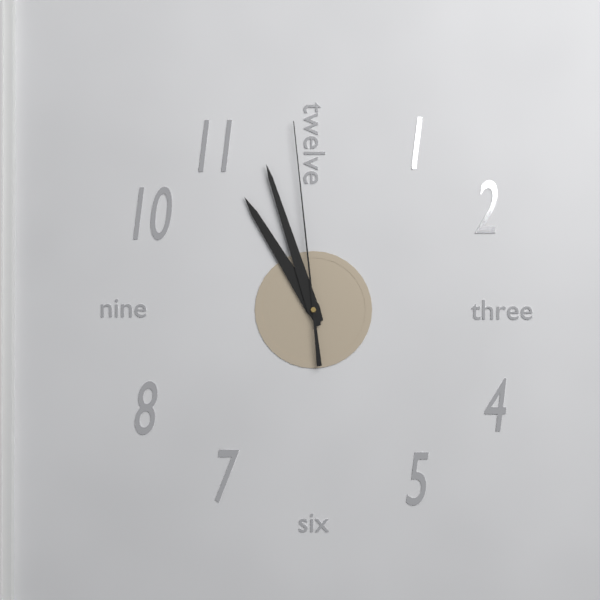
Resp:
10:57:59
